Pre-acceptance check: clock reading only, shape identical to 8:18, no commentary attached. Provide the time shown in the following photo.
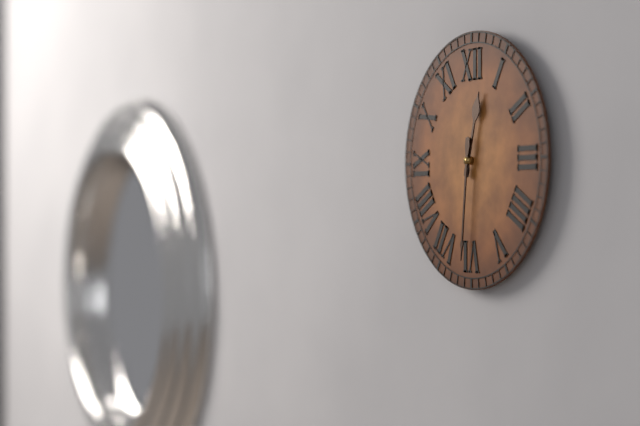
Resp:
12:31
